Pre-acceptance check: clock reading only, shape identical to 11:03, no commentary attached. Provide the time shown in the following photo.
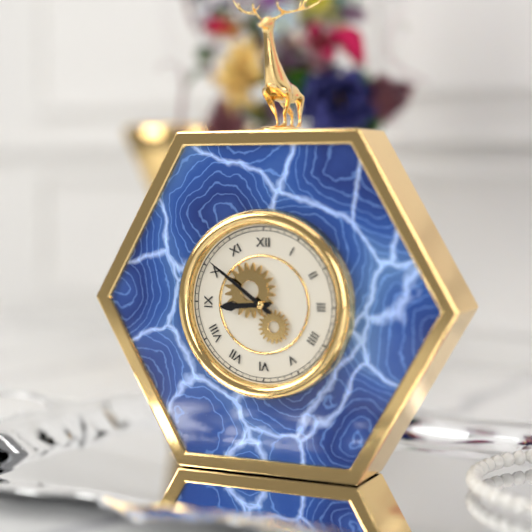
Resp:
8:51
